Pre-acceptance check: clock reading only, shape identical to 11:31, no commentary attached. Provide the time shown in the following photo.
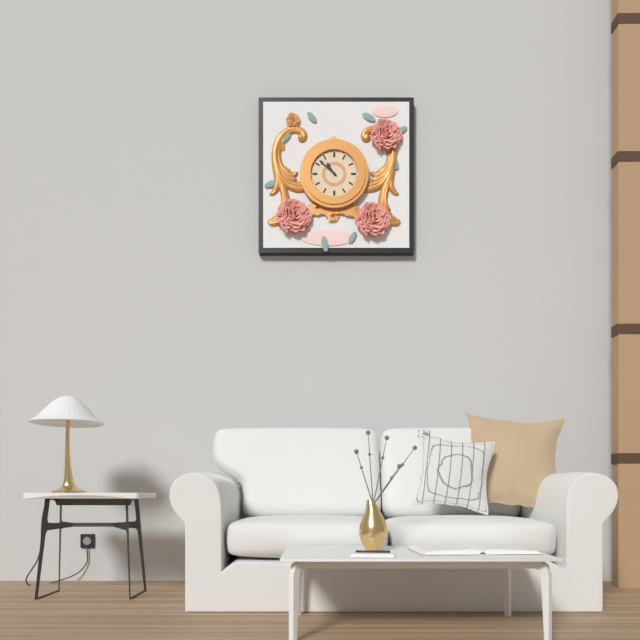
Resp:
10:52
